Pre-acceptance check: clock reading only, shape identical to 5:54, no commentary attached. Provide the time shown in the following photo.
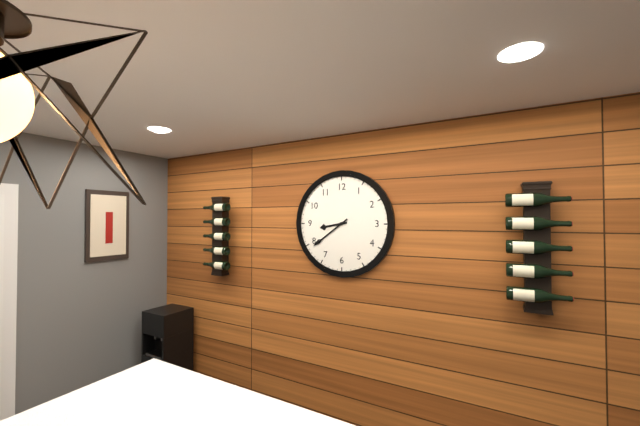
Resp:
8:39
